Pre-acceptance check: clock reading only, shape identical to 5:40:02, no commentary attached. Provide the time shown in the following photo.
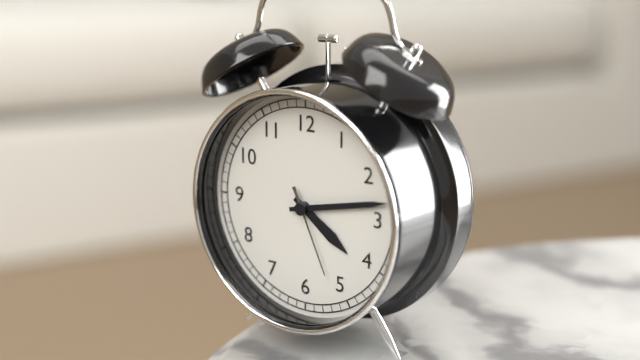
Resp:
4:13:26
